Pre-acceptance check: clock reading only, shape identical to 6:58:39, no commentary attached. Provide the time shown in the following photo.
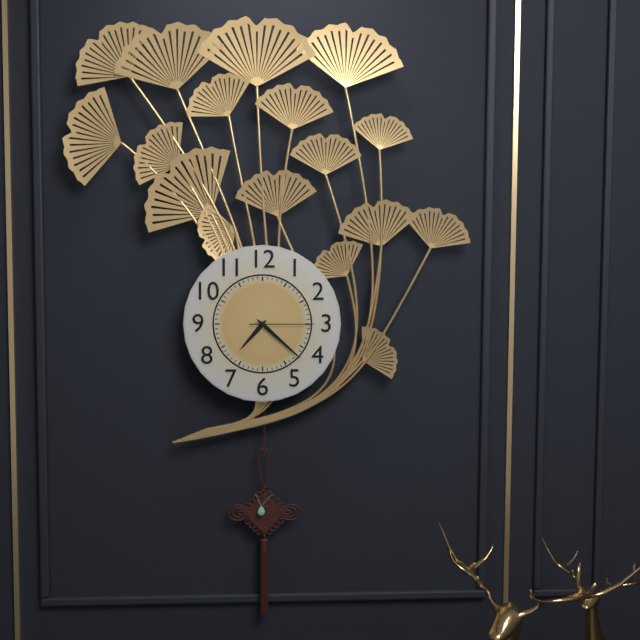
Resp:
7:22:15
